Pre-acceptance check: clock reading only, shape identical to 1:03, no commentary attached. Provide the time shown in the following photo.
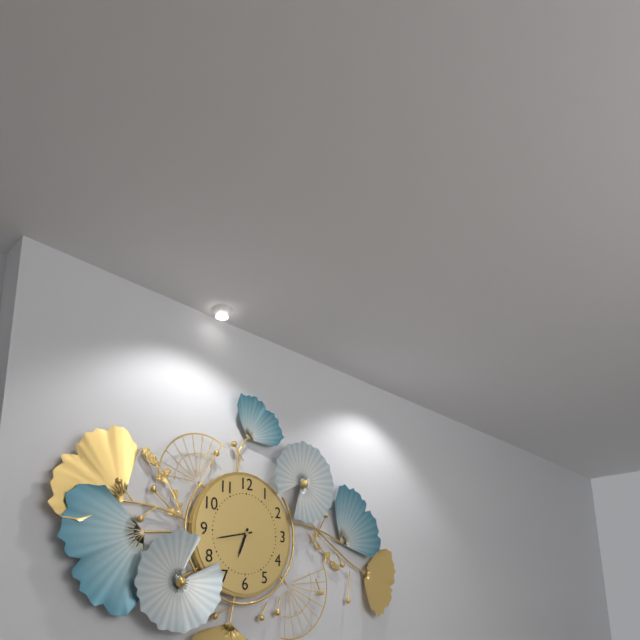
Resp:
6:43
